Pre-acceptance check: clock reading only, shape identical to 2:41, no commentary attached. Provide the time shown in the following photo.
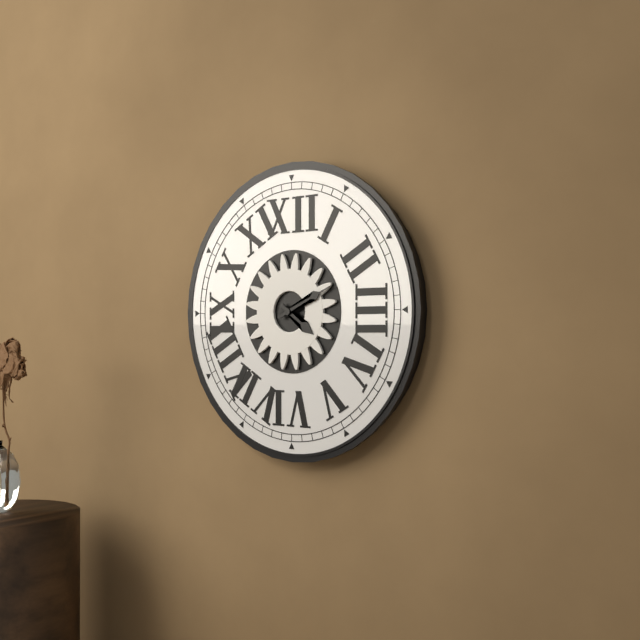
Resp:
4:11
